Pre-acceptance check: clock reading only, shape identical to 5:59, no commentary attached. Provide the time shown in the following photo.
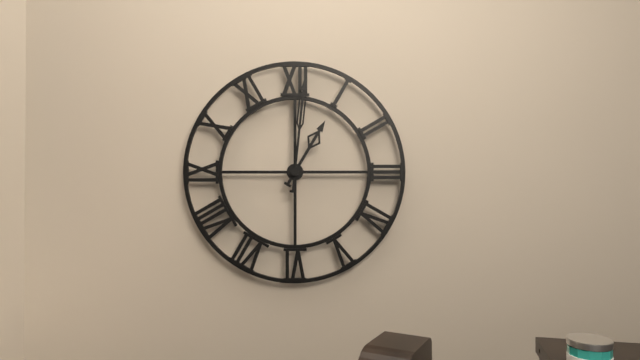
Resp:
1:01
